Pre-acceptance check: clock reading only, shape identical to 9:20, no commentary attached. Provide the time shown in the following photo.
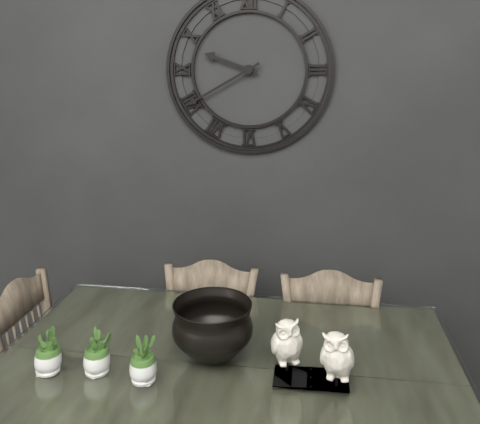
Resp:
9:40
